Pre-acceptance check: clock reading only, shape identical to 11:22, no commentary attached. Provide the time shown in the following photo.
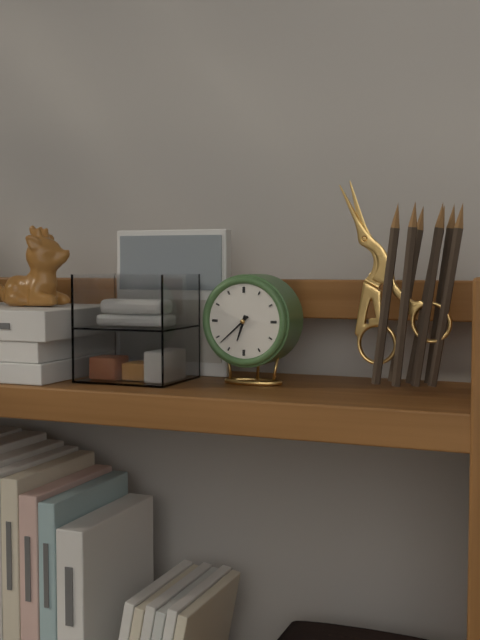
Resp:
6:38
